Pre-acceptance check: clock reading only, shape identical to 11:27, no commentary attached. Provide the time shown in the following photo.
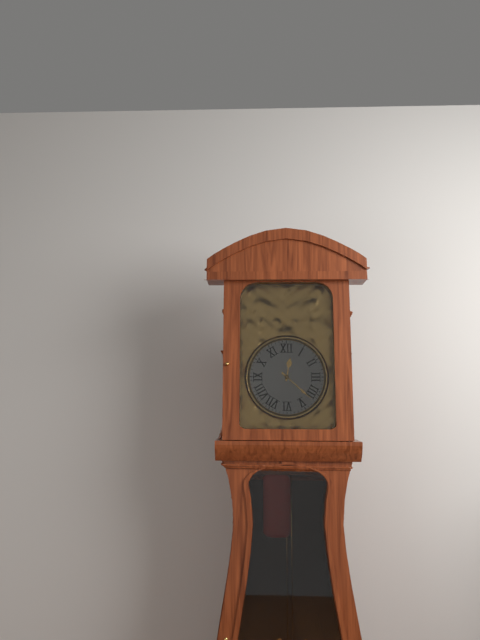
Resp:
12:22
